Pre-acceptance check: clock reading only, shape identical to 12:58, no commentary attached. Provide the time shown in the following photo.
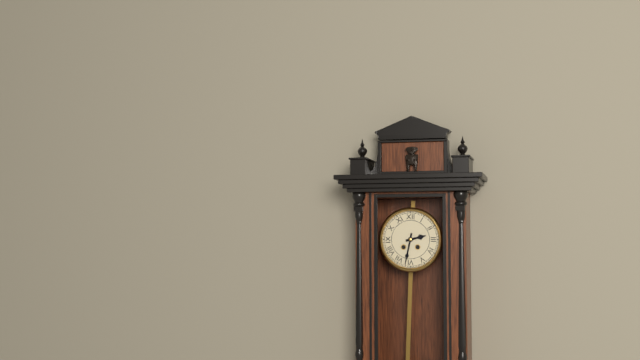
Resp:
2:32
